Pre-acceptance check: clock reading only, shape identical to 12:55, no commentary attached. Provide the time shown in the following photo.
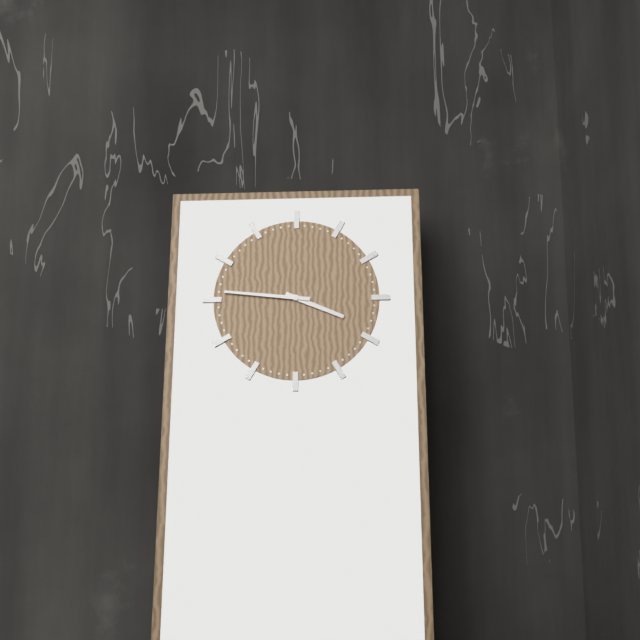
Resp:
3:46
